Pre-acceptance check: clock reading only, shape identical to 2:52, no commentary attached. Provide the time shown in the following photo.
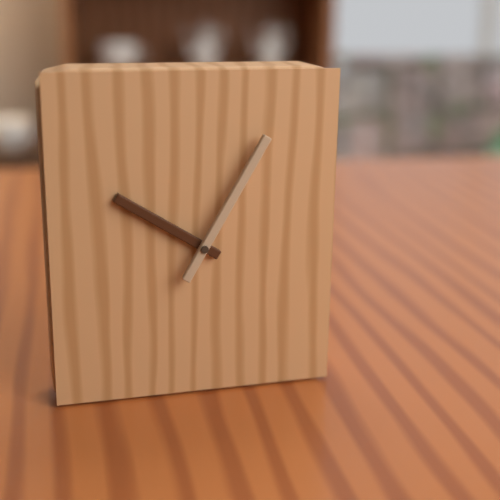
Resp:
10:05
